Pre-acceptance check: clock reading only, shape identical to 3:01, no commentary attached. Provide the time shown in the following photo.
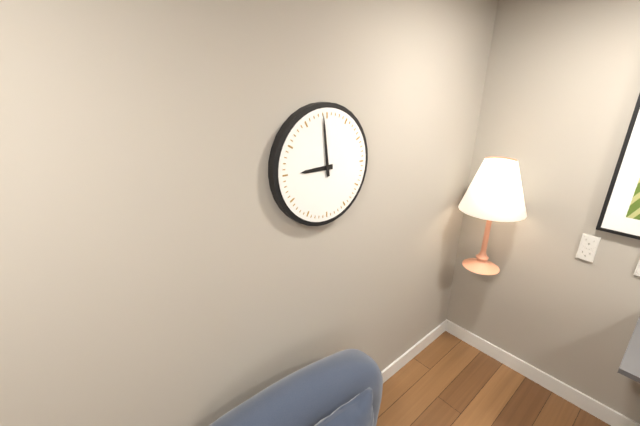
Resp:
8:59
